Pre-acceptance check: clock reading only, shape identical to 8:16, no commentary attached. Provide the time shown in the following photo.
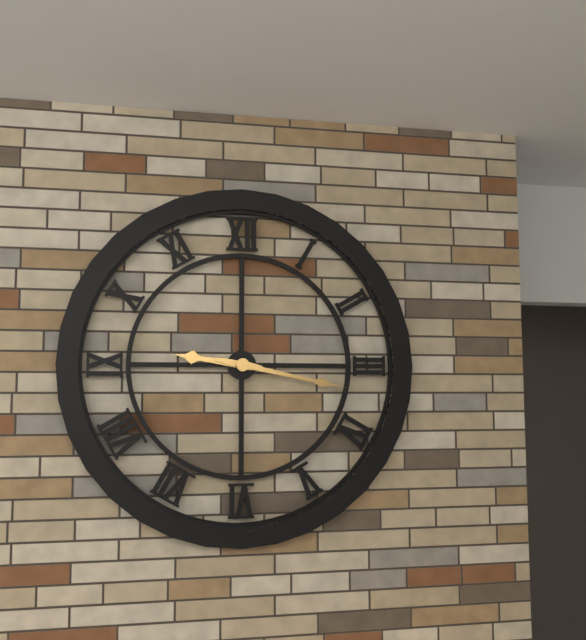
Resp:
9:17
